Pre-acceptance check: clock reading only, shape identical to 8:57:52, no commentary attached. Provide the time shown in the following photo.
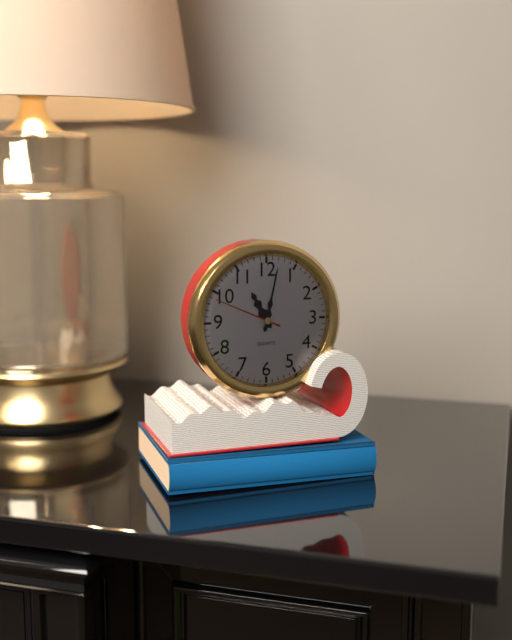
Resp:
11:02:49
